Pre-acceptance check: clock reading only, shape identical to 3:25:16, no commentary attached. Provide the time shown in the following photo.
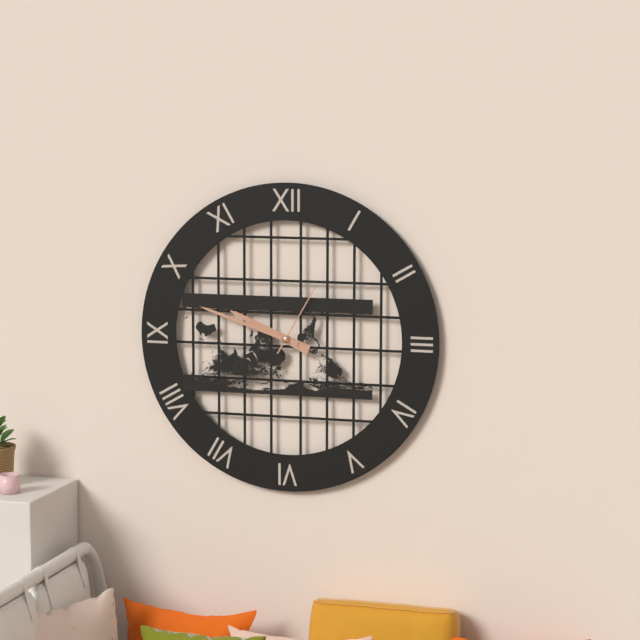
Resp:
9:48:05
